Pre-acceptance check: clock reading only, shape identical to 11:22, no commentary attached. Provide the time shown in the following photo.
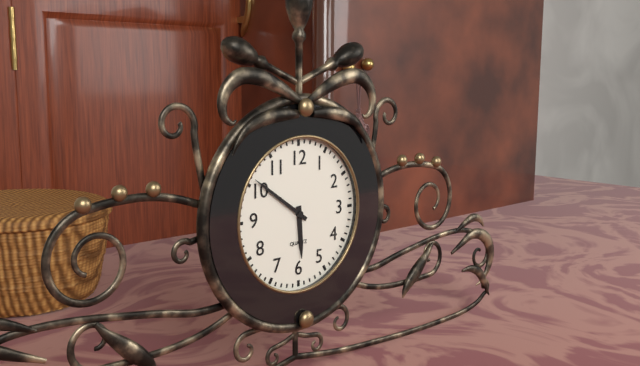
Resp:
5:51
